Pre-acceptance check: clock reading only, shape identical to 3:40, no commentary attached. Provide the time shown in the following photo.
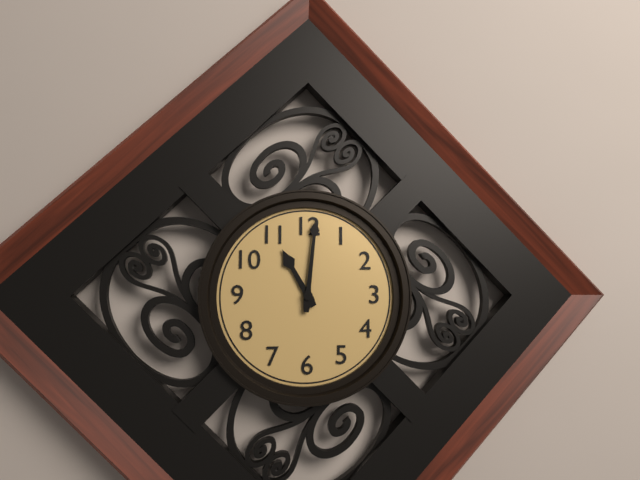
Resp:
11:01
